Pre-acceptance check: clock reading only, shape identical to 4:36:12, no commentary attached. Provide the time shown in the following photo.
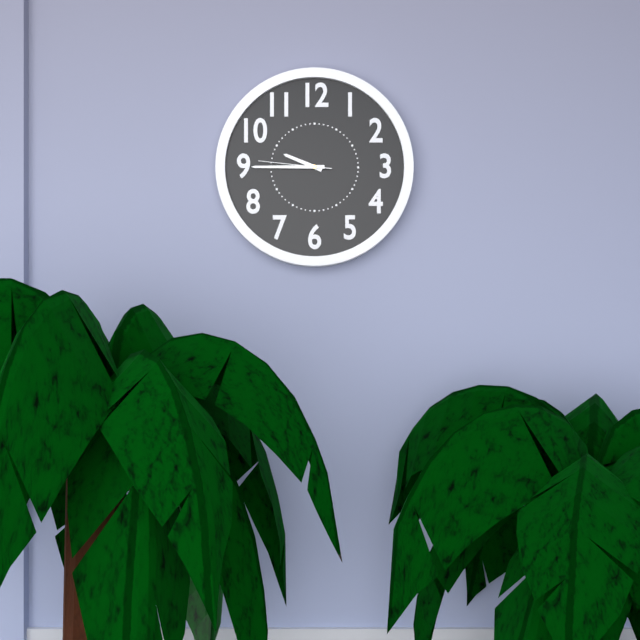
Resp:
9:45:46
